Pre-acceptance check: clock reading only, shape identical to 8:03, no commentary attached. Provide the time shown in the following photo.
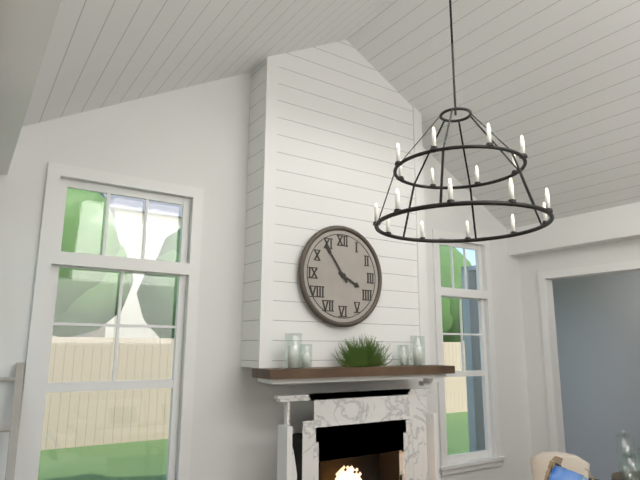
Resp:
3:54
